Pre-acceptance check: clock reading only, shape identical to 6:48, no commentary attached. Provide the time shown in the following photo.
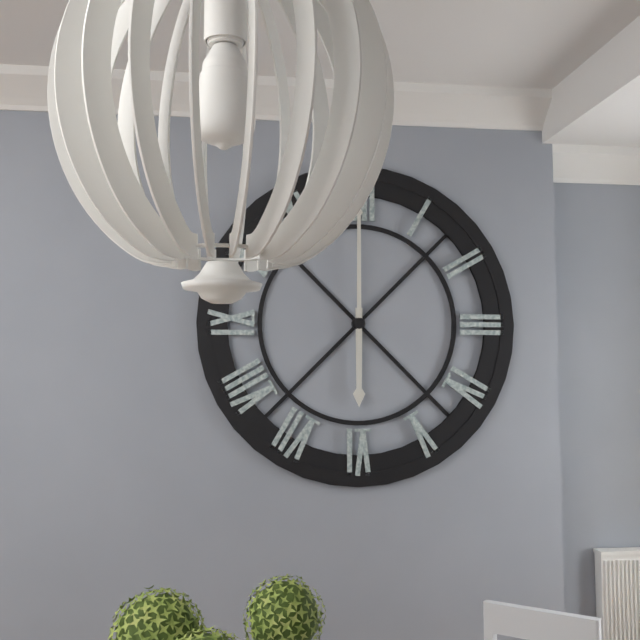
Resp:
6:00
